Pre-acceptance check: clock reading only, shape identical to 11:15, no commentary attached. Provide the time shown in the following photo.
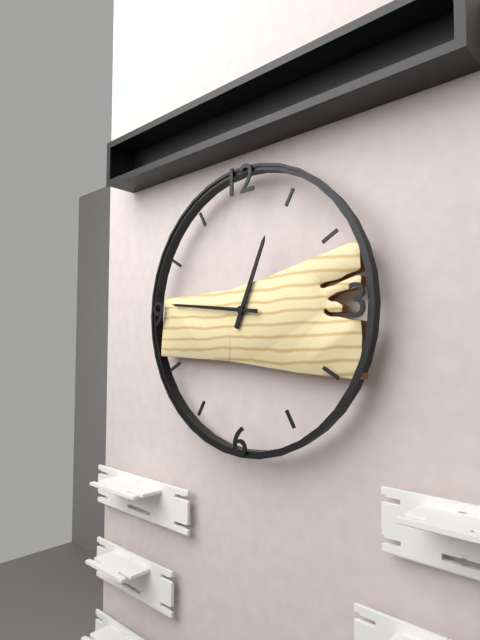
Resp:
12:46
